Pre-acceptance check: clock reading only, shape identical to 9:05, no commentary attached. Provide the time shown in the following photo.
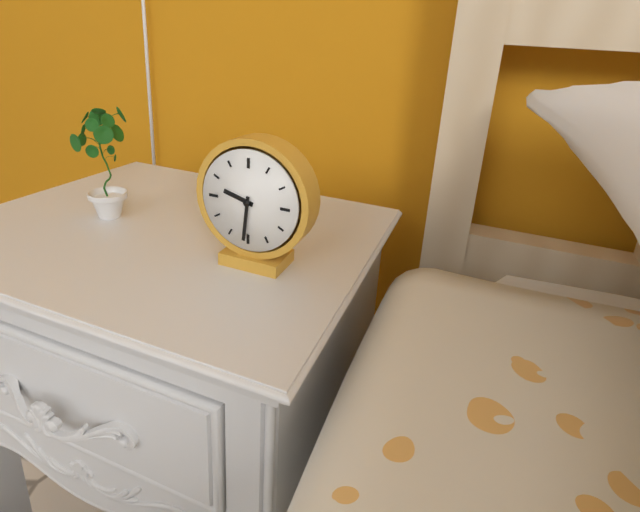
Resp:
9:31
